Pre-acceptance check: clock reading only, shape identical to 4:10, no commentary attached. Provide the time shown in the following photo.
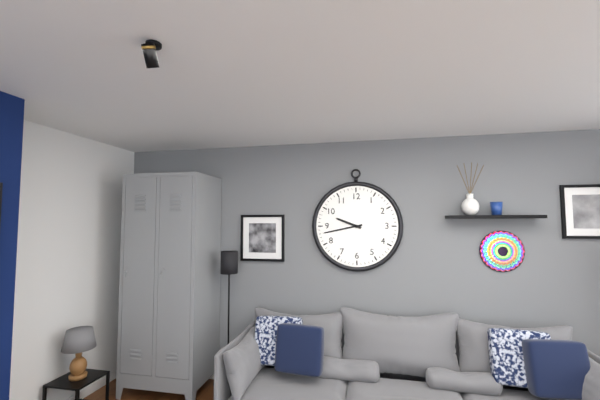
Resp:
9:43
